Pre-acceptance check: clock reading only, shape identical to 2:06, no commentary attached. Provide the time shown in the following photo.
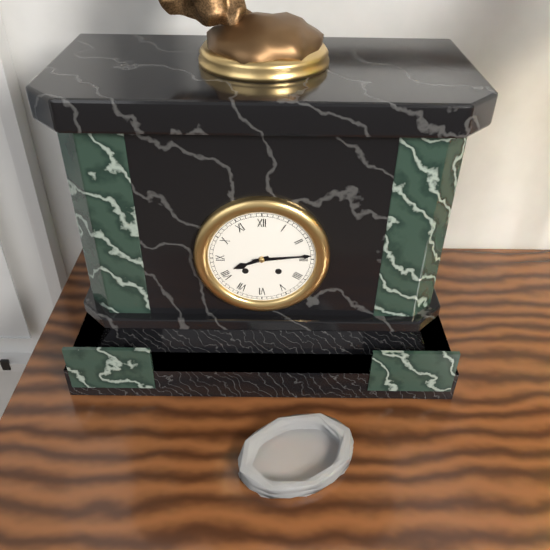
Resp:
8:14
